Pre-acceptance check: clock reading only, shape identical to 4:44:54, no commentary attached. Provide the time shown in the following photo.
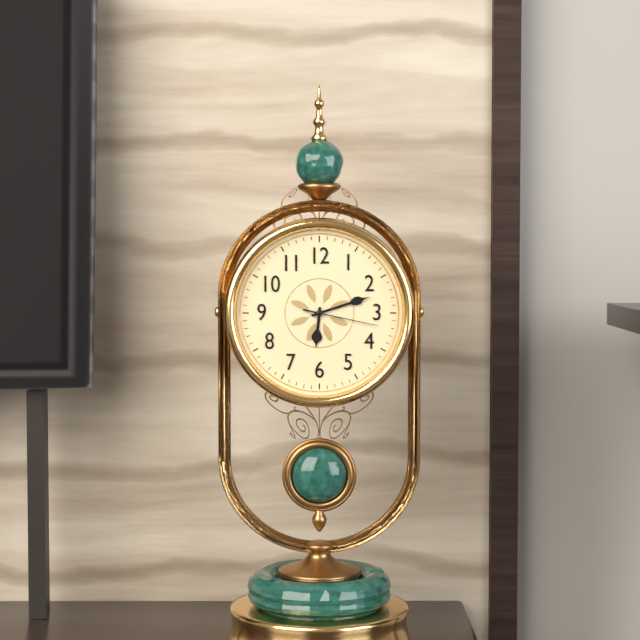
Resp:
6:12:17
